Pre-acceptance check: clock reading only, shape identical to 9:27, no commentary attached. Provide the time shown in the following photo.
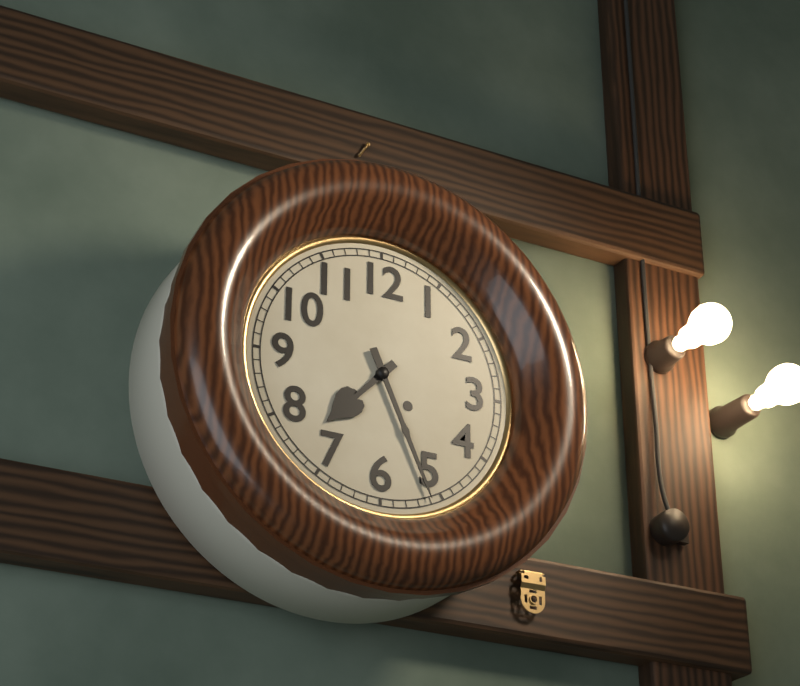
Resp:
7:26
